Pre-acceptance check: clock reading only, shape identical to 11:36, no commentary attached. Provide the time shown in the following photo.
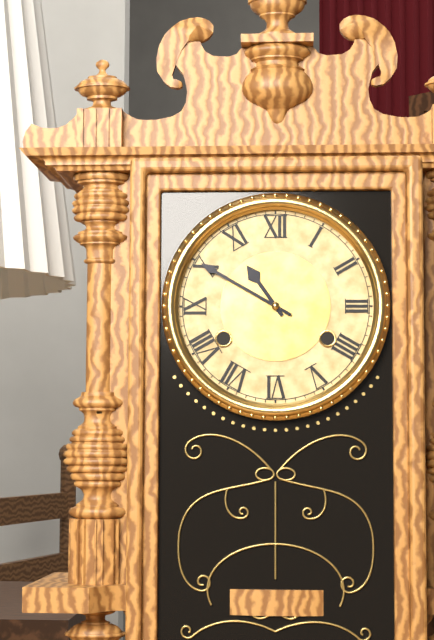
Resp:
10:50
